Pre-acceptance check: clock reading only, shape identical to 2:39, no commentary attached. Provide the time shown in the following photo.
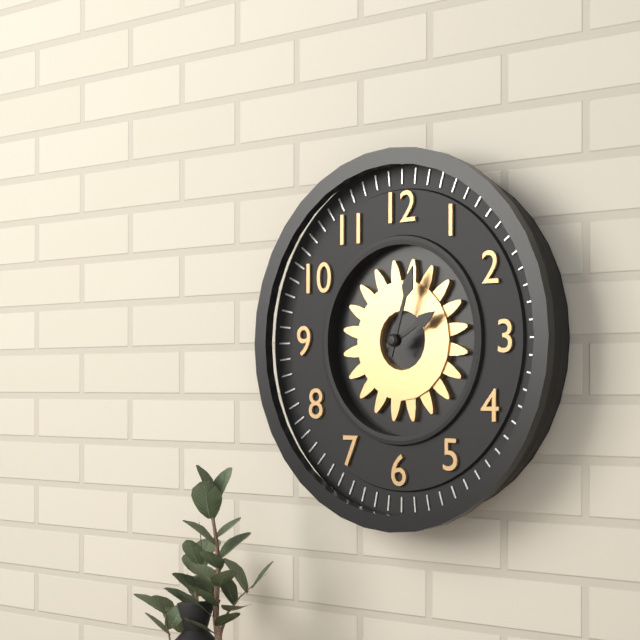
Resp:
2:03
